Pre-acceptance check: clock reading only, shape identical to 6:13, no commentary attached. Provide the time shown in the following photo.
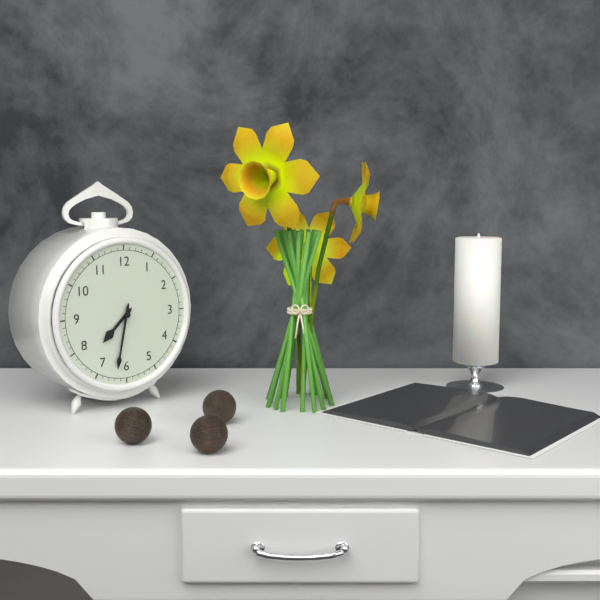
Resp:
7:32
